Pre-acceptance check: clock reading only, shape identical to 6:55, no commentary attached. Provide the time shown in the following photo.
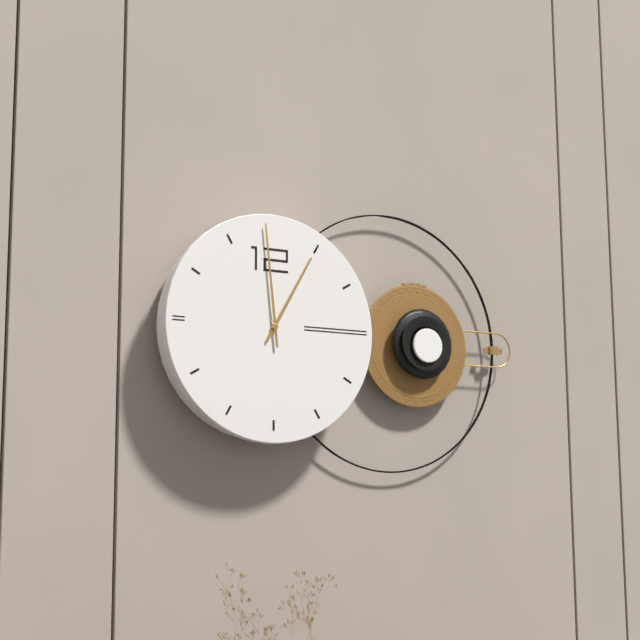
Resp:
12:59
